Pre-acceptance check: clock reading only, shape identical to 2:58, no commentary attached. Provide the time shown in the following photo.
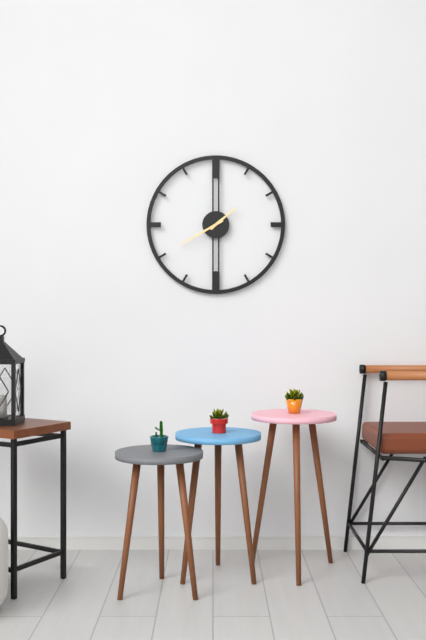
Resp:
1:40
